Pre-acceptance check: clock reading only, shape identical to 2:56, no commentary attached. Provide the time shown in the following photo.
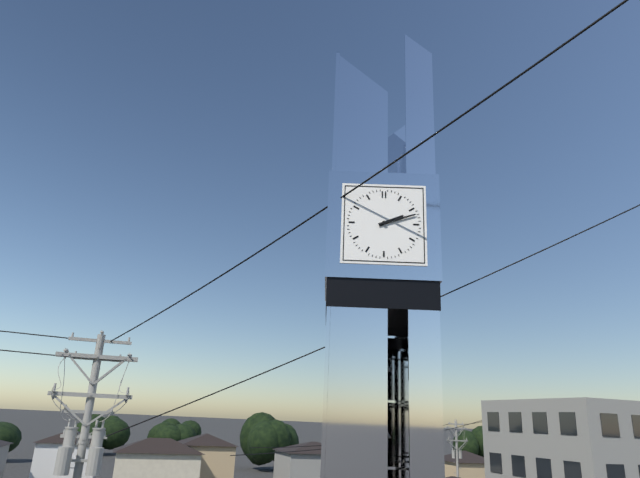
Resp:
2:12
